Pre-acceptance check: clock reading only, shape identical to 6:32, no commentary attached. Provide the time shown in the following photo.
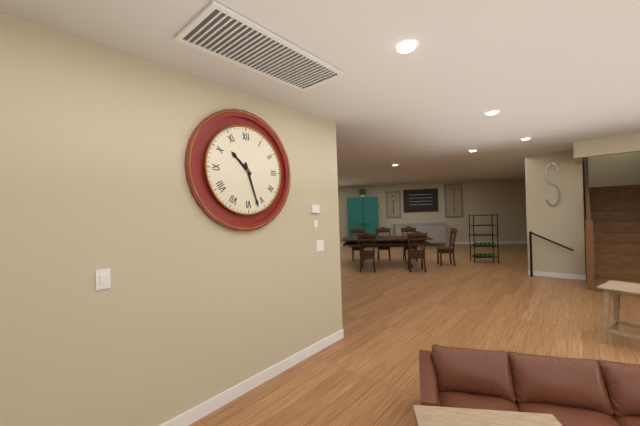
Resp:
10:27
